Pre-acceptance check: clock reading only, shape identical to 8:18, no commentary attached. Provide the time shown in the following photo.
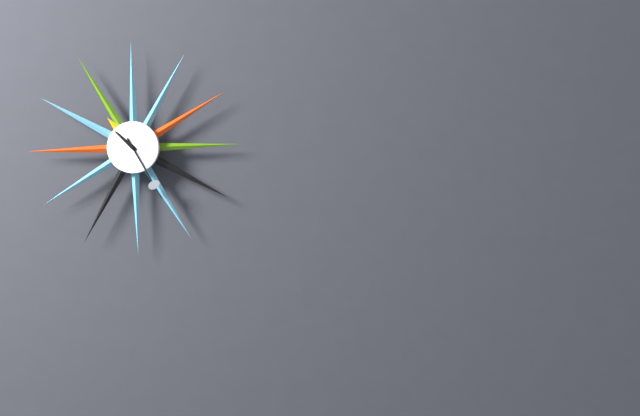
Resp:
10:25
